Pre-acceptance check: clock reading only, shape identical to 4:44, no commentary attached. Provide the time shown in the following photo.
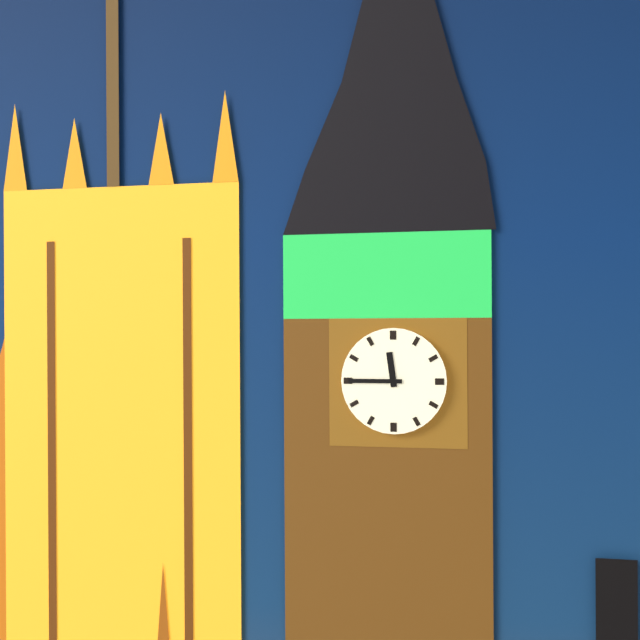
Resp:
11:45
